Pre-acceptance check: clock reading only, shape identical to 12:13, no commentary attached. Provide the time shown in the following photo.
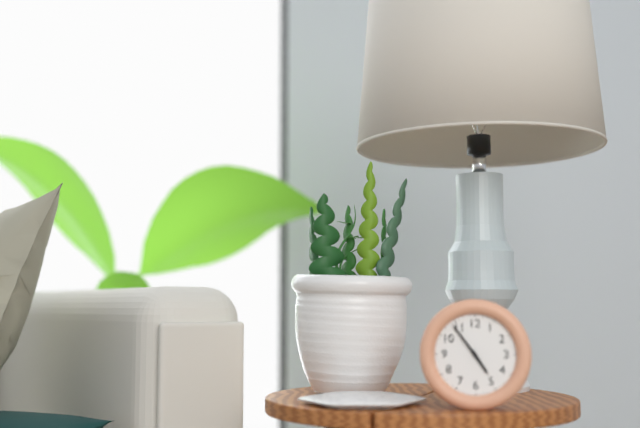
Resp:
4:54
